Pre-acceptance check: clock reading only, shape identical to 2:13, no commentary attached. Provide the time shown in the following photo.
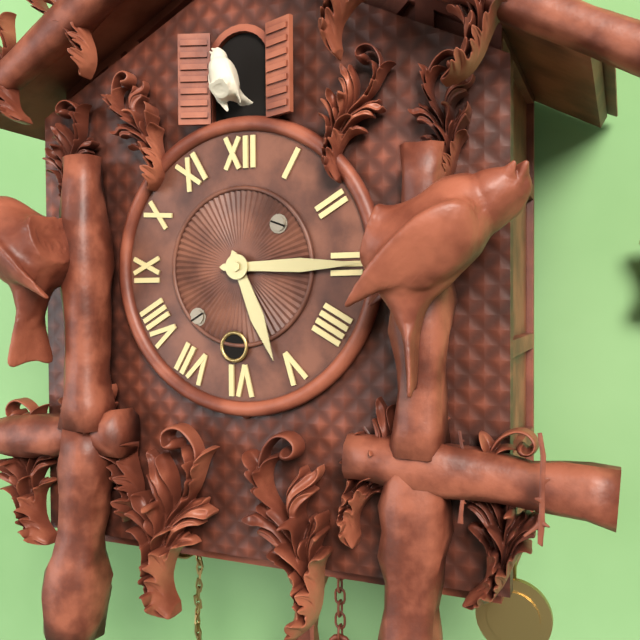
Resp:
5:15
